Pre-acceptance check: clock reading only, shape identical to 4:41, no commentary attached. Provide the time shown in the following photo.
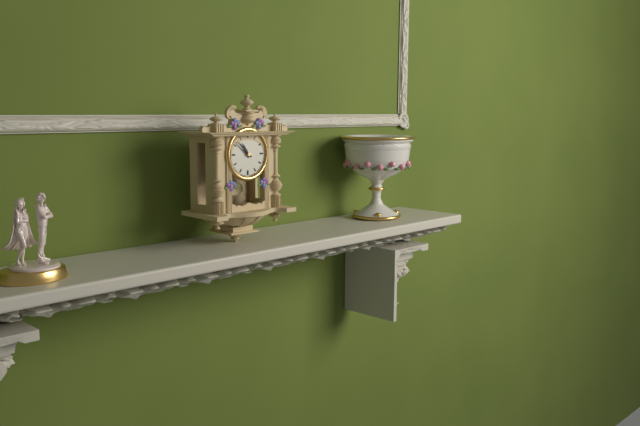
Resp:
10:52
